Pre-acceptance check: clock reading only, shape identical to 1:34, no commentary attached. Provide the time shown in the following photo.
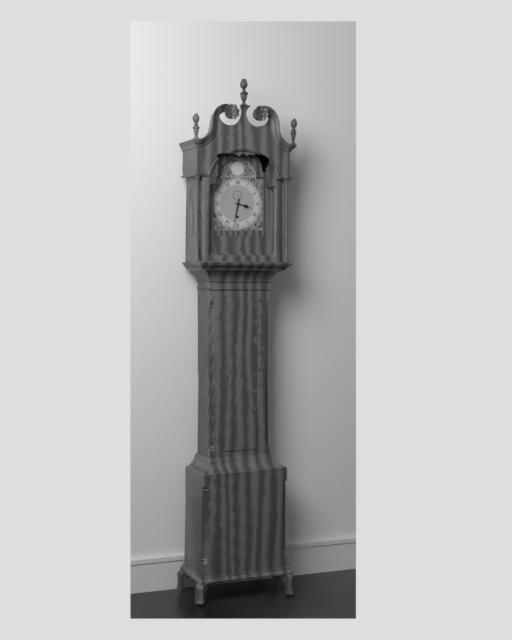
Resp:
3:32
